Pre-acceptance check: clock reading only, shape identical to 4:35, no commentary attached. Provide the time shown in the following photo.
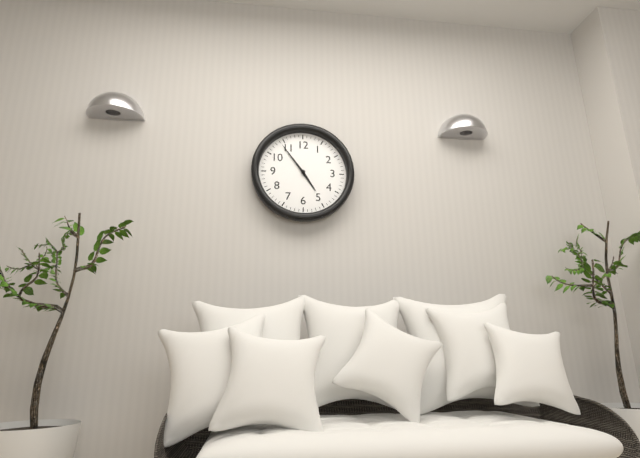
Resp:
4:54
